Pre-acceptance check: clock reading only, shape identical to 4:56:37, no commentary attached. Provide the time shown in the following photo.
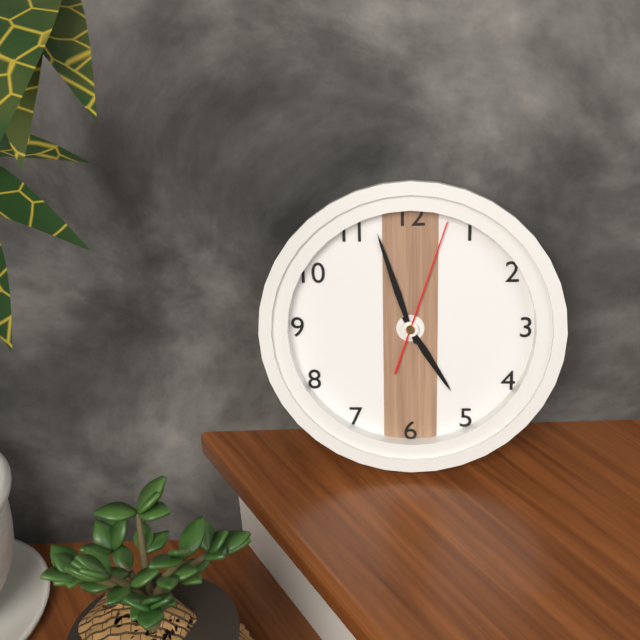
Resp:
4:57:03
